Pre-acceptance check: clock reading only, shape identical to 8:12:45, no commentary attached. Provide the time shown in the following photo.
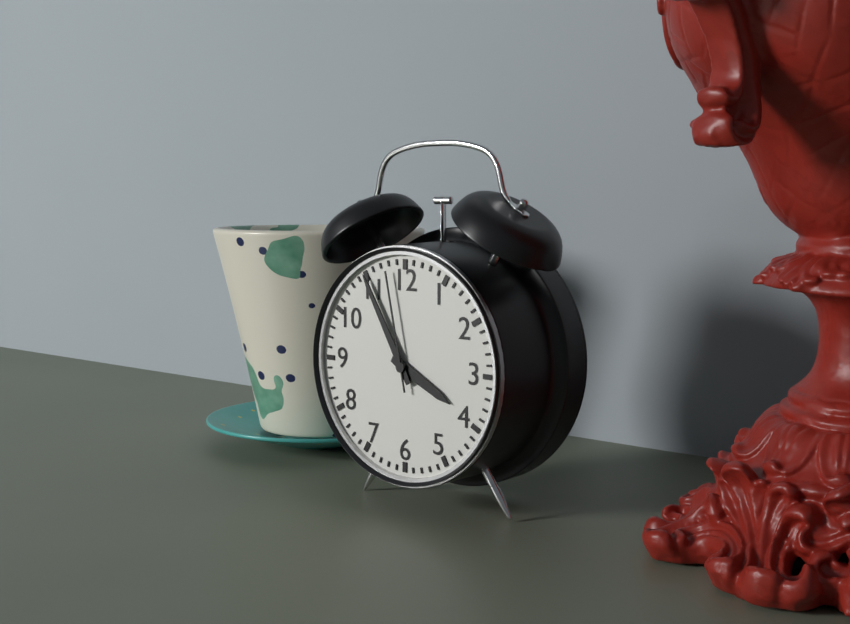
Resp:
3:55:58
